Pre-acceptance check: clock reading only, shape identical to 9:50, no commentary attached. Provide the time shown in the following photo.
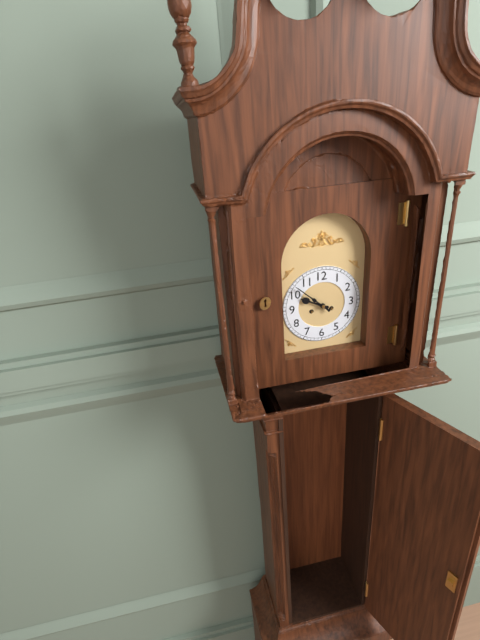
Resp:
9:52
